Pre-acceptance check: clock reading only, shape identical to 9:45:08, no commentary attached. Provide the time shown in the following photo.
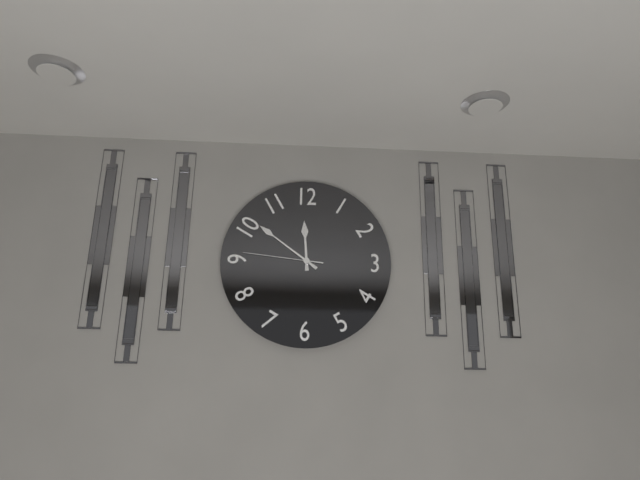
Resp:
11:51:46
